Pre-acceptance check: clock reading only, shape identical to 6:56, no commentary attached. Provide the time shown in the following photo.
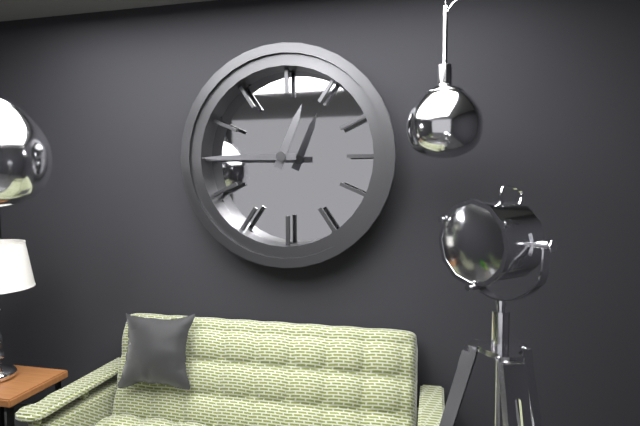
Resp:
12:45
